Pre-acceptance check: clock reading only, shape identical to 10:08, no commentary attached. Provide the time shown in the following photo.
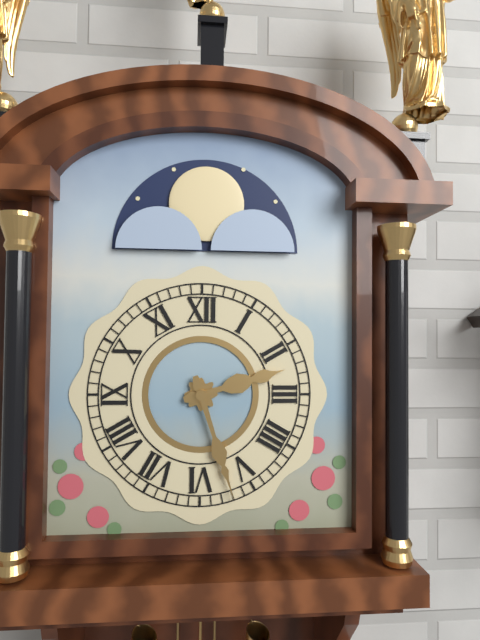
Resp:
2:27
